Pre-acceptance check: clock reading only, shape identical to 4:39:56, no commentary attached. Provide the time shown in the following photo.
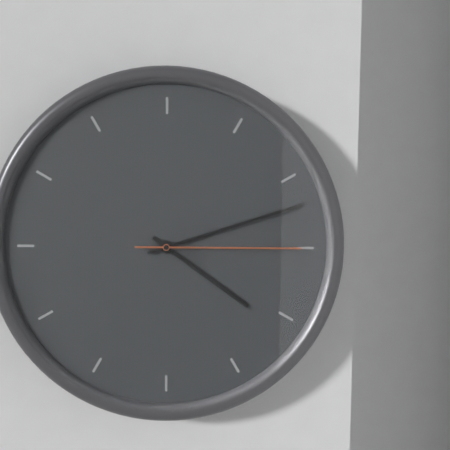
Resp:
4:12:15
